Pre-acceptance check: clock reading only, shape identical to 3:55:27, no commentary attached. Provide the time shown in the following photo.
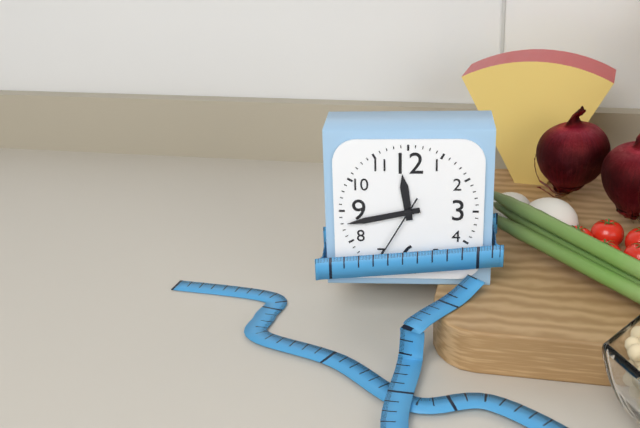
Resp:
11:43:35
